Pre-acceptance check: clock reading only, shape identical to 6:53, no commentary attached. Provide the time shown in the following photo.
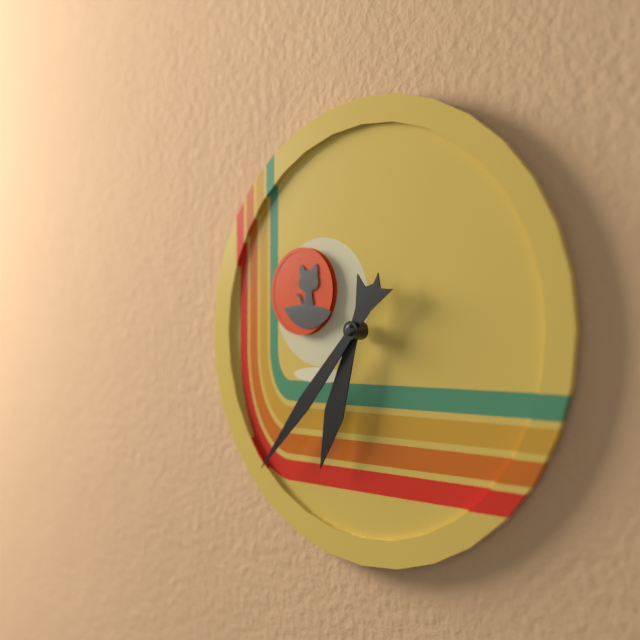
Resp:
6:37
